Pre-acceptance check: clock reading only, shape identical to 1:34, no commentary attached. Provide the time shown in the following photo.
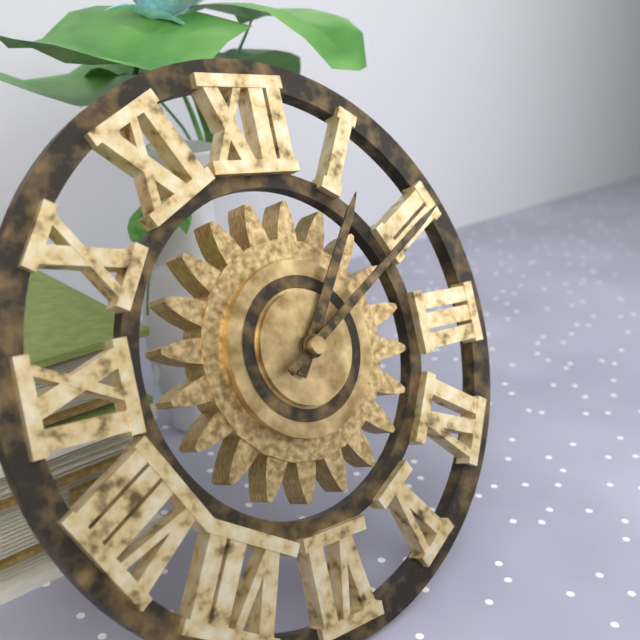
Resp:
1:10
